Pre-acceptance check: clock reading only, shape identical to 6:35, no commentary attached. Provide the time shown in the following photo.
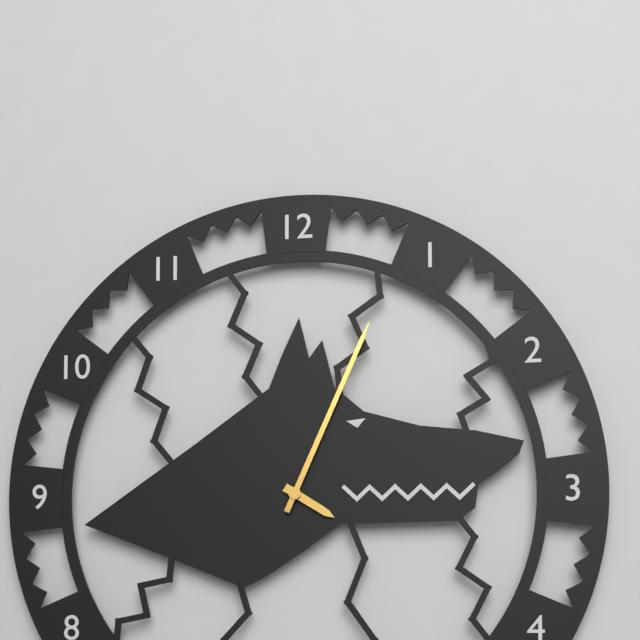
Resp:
4:04
